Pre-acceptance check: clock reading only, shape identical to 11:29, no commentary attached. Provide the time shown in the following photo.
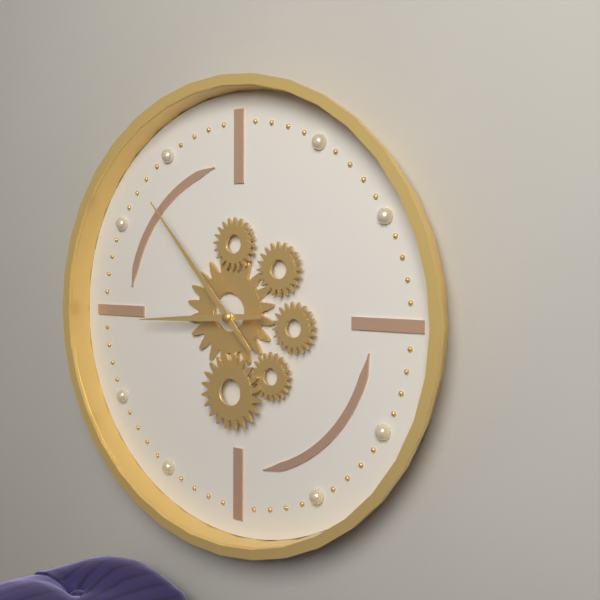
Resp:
8:53
